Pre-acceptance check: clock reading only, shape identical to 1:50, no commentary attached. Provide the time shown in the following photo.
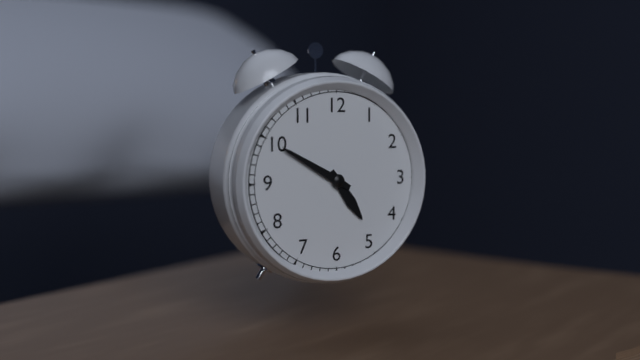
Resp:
4:50
